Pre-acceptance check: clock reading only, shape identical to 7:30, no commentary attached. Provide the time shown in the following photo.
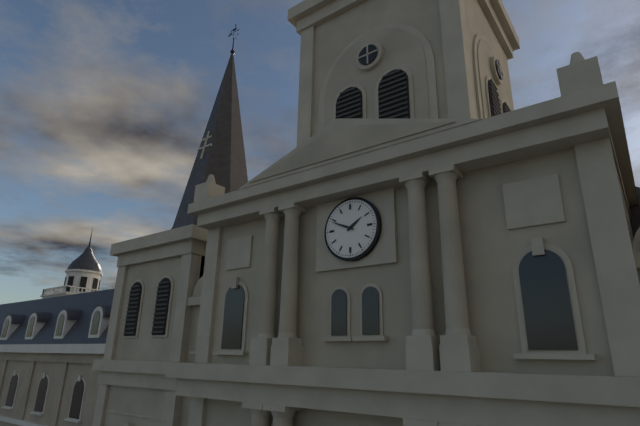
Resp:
1:49
